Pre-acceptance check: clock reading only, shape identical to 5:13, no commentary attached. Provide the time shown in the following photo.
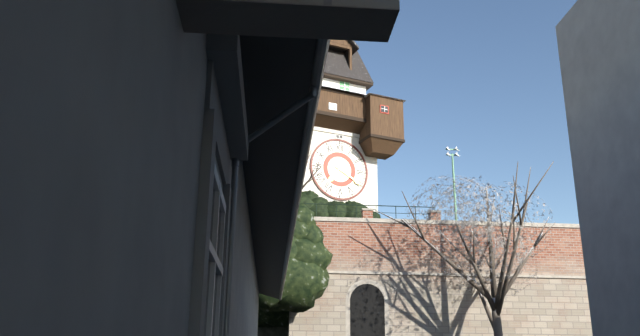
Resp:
7:20
